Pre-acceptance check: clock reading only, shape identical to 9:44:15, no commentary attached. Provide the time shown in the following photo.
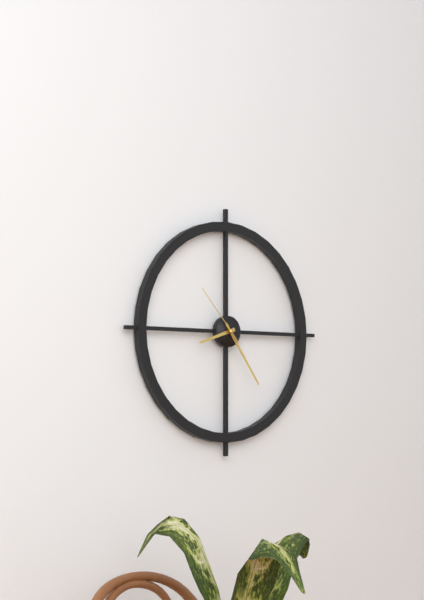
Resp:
8:24:53
